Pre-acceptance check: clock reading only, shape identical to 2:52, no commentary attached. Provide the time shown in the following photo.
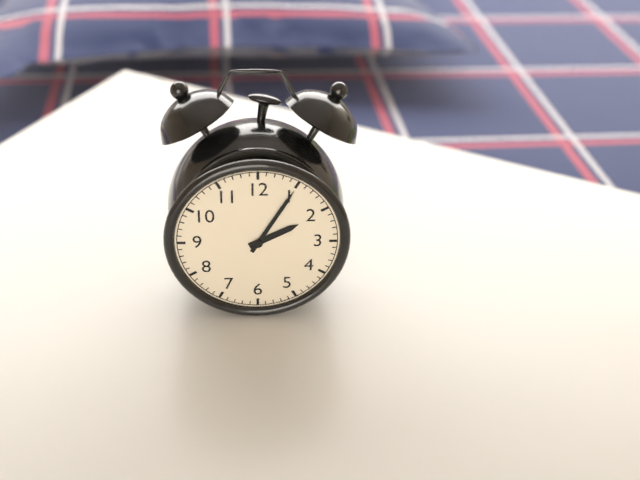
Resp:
2:05
